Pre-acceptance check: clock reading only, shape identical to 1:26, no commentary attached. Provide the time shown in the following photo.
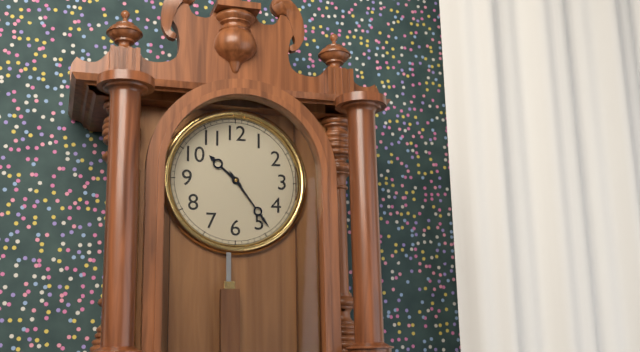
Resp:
10:24
